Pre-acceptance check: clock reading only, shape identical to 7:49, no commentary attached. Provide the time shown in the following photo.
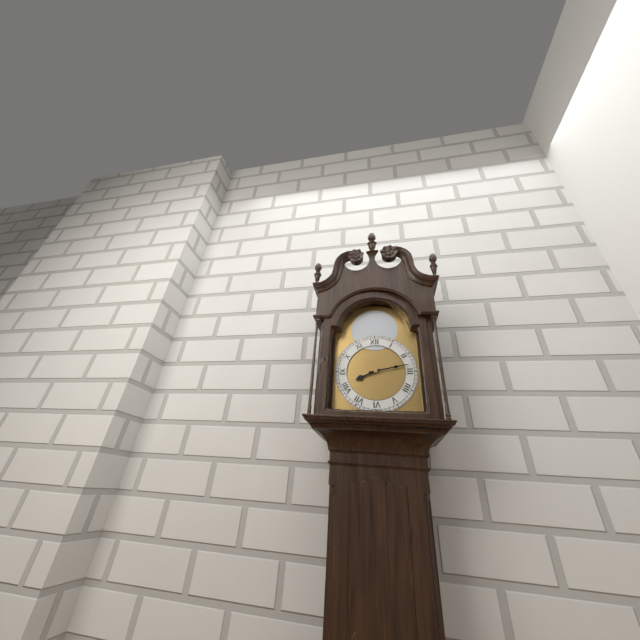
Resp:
8:13
